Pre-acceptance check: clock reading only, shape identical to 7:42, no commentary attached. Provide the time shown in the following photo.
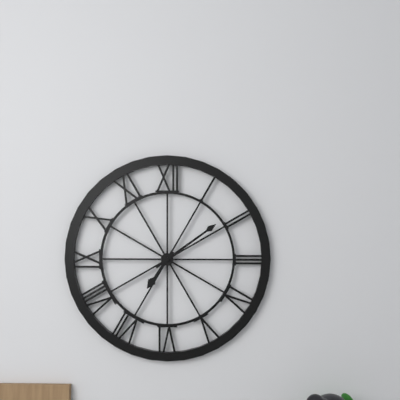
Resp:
7:09
